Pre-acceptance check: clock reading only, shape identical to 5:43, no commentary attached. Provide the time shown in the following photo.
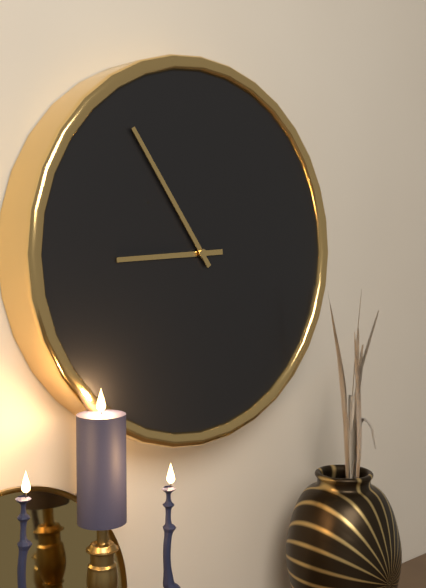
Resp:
8:54
